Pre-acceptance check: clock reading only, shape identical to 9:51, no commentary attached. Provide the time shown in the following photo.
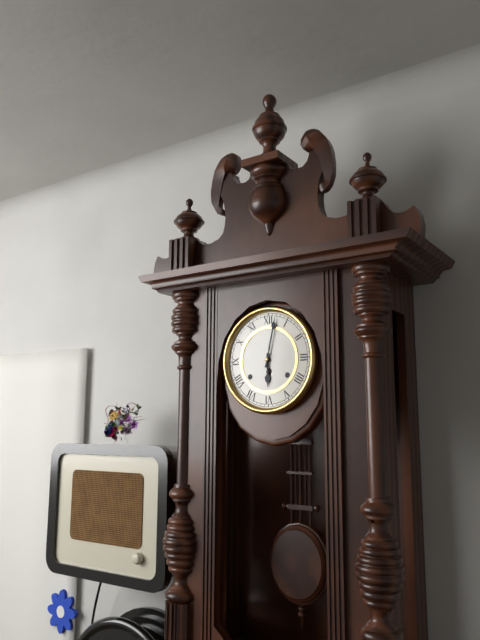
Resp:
6:02
